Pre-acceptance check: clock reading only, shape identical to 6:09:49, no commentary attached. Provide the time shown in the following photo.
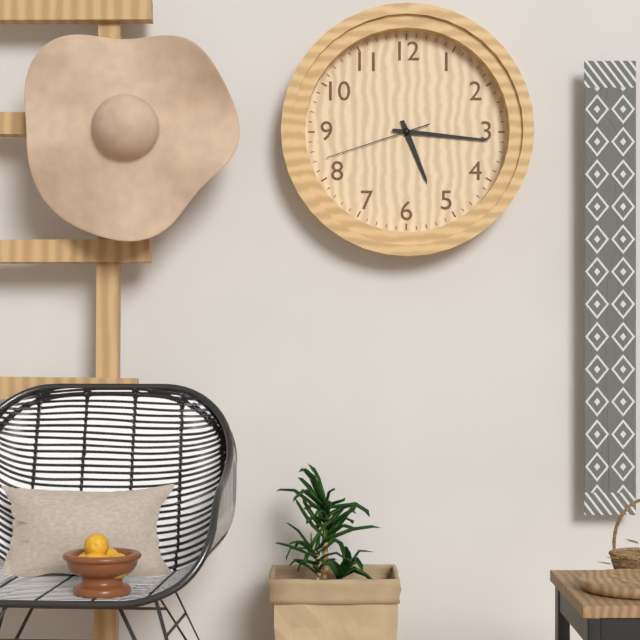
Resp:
5:16:42
